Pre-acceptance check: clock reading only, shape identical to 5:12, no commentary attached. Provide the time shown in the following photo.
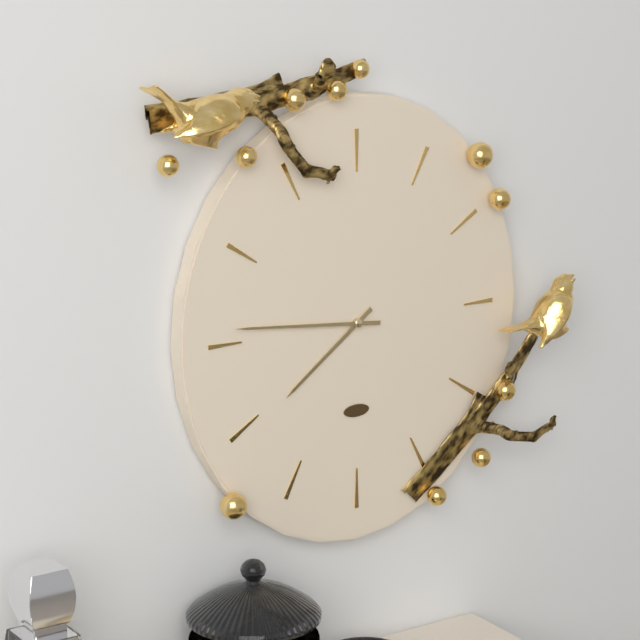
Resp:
7:46
